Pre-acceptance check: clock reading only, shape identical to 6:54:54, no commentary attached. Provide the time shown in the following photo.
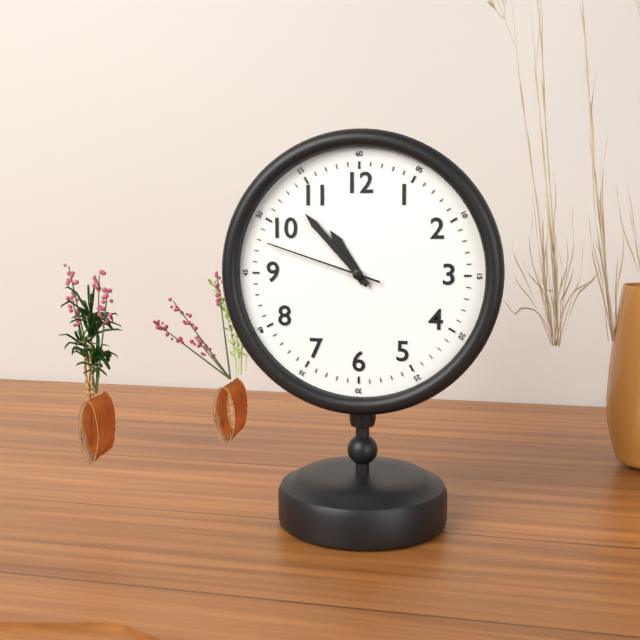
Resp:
10:53:48
